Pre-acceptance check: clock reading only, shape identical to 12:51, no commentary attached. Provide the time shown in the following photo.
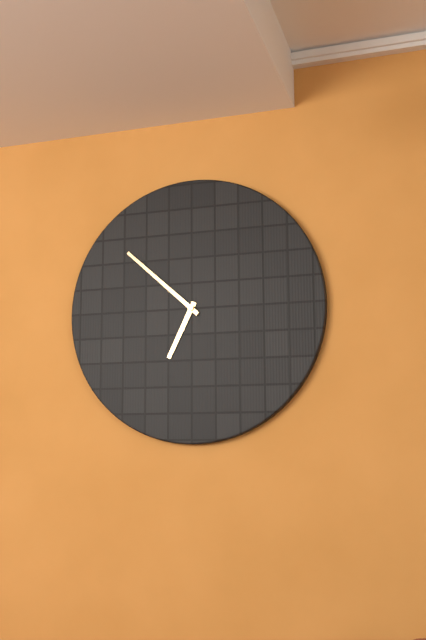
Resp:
6:52
